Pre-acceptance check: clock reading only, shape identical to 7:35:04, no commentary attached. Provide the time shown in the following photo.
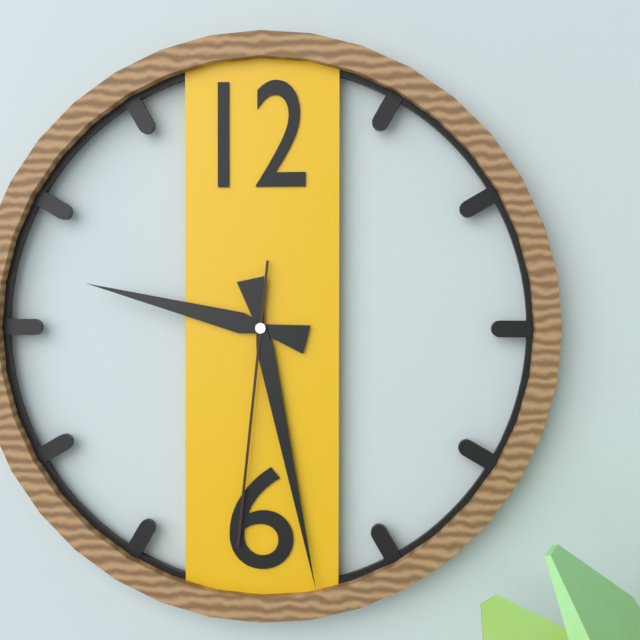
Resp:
9:28:31
